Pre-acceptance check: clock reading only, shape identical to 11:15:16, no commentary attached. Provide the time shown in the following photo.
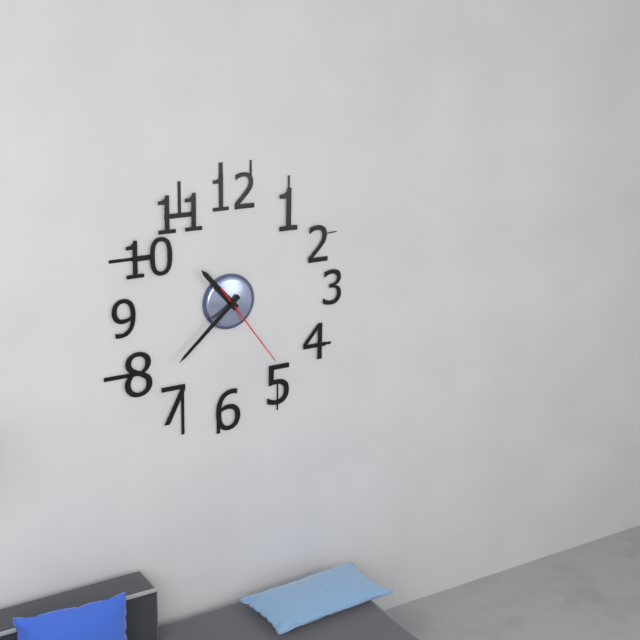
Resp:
10:38:24
